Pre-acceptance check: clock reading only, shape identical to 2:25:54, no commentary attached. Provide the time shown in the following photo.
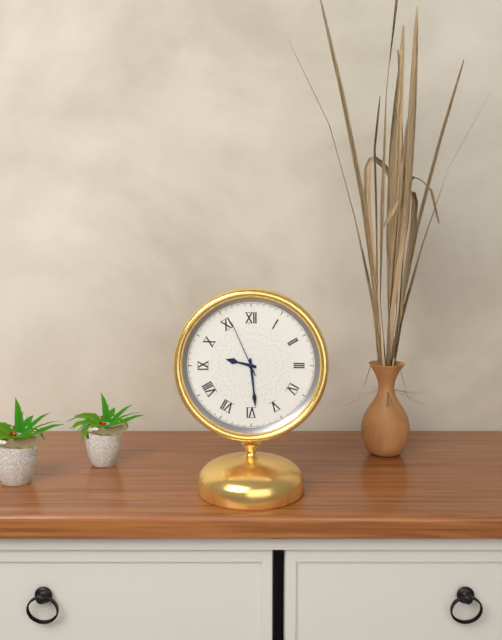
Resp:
9:29:56
